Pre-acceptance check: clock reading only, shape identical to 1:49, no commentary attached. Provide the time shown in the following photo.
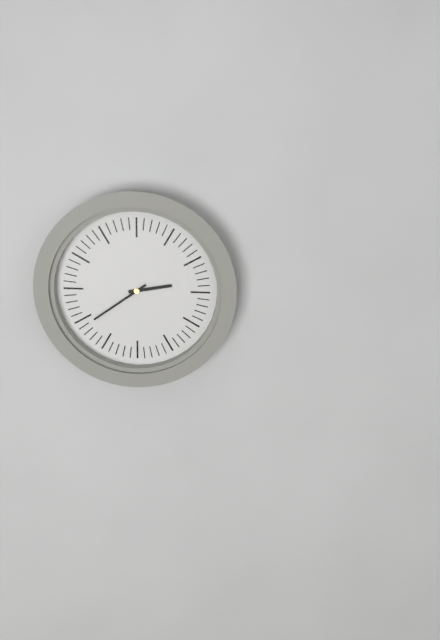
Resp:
2:39
